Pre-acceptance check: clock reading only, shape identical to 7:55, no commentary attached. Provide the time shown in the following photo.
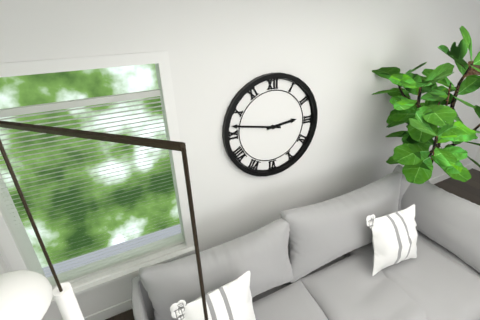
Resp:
2:47
